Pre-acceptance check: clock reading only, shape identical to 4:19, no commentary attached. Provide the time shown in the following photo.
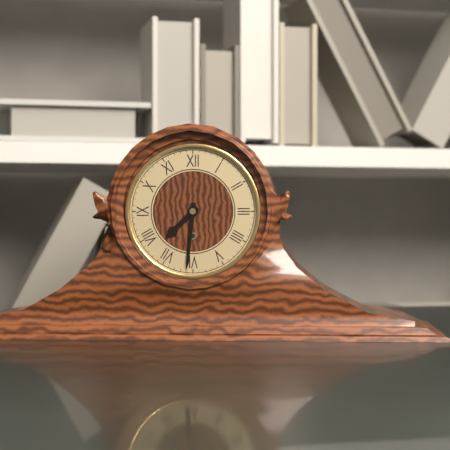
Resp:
7:31
